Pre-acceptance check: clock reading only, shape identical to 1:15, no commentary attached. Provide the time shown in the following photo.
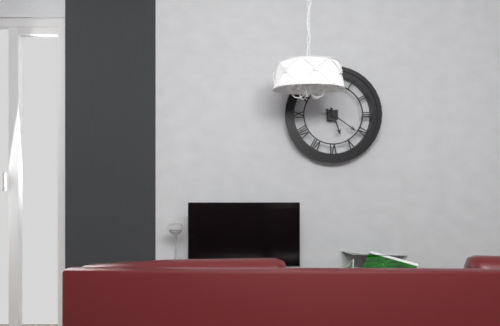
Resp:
5:21
